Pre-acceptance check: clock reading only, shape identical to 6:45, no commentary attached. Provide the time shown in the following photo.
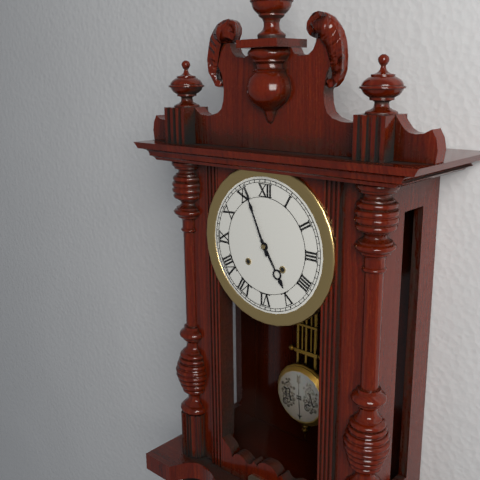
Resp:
4:56
